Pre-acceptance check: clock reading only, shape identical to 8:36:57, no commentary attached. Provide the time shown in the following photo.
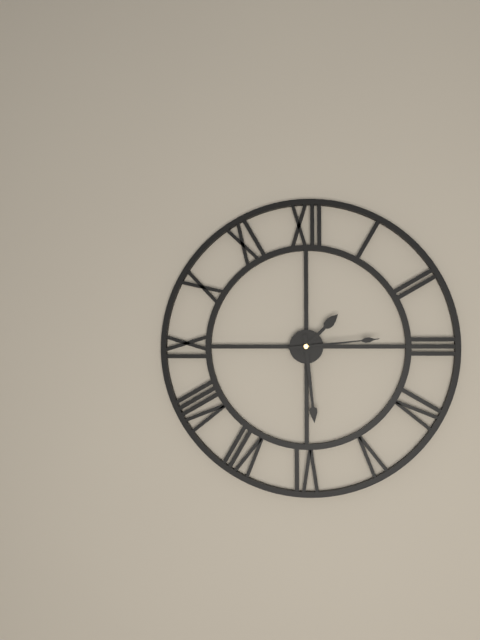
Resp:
1:29:14
